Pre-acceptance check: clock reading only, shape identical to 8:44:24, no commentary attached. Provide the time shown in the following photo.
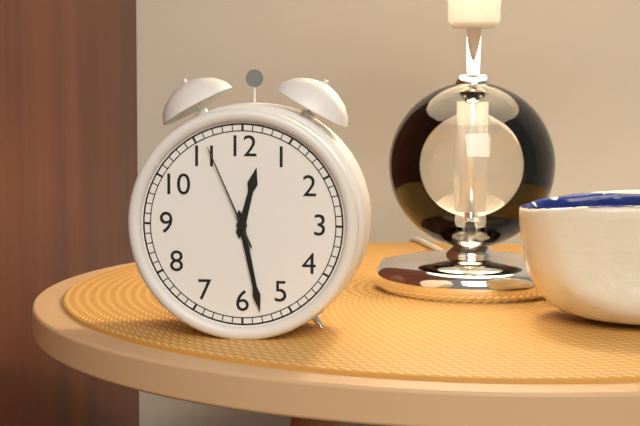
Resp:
12:28:56
